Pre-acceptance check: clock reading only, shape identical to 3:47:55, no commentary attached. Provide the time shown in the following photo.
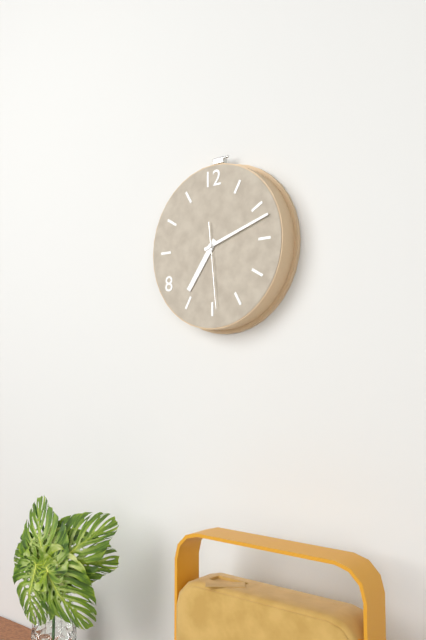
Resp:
7:12:29
